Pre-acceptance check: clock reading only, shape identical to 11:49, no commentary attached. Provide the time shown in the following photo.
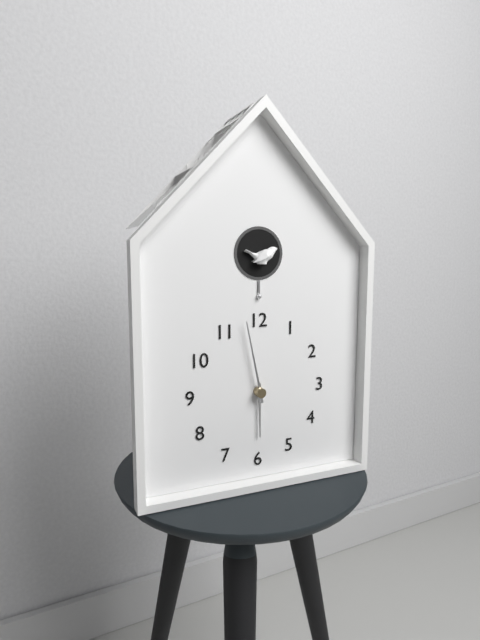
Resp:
5:58
